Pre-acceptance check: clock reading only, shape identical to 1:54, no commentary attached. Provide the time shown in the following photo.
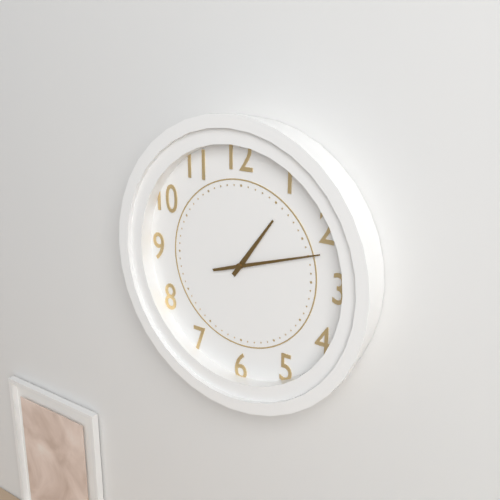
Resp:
1:12
